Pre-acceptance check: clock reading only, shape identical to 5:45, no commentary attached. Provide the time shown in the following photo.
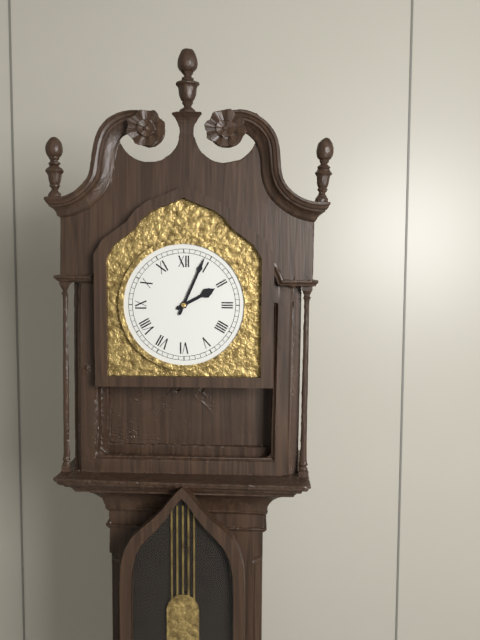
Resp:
2:04
